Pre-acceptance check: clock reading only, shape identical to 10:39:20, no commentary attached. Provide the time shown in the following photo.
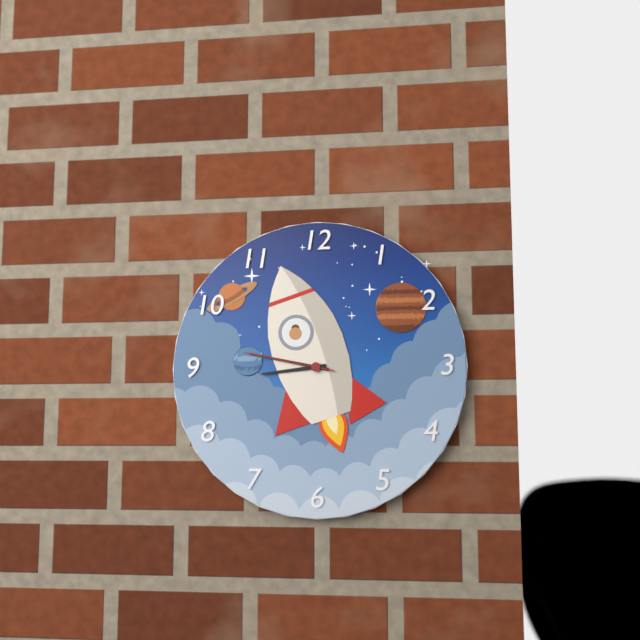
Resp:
8:47:47
